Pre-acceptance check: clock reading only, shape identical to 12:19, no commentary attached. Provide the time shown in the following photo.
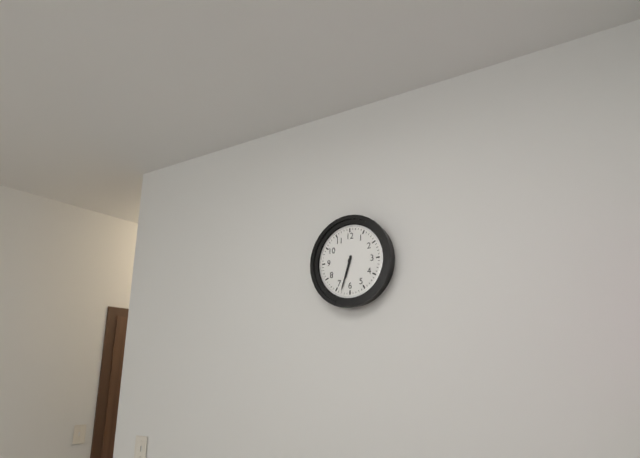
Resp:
6:33
